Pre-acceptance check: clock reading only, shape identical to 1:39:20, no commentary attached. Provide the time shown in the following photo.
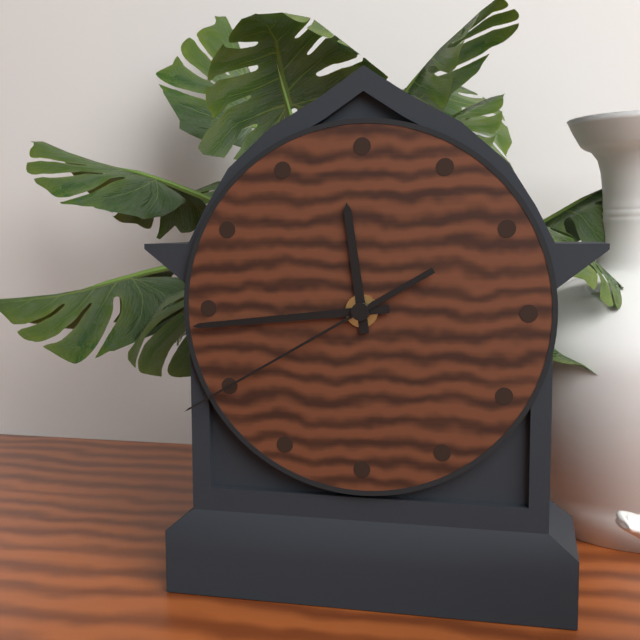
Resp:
11:44:40
